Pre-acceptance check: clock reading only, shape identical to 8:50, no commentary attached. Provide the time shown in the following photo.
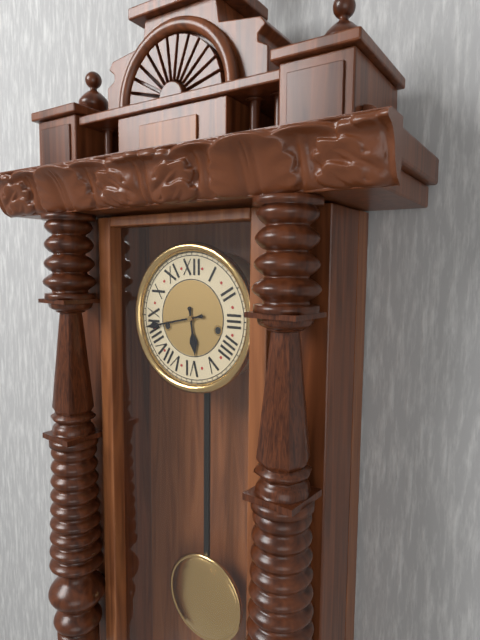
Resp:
5:43
